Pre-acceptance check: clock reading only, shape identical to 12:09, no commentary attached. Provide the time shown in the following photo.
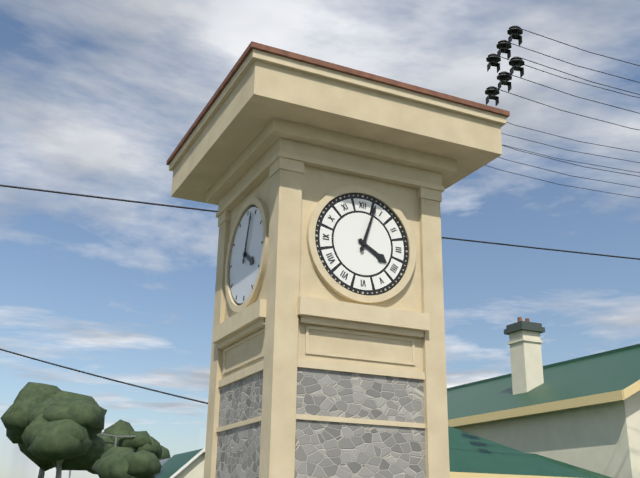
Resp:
4:03
